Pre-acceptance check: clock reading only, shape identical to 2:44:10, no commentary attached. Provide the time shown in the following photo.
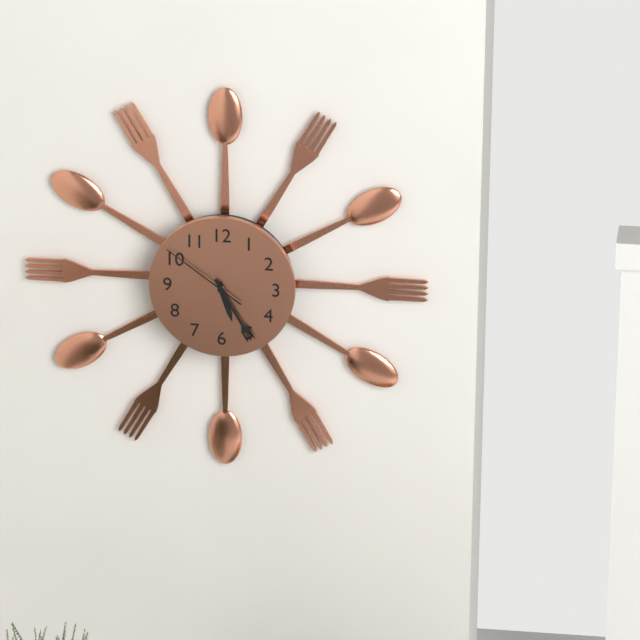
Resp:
5:25:51
